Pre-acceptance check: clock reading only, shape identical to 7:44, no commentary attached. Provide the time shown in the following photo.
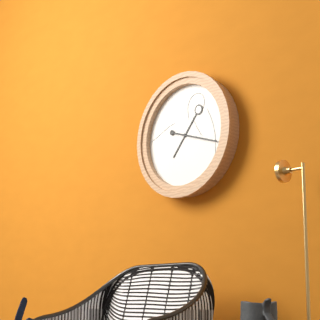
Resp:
7:18
